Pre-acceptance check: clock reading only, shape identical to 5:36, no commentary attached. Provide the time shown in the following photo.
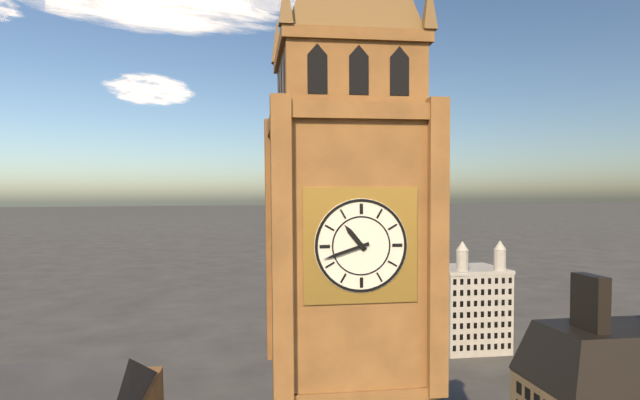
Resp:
10:42
